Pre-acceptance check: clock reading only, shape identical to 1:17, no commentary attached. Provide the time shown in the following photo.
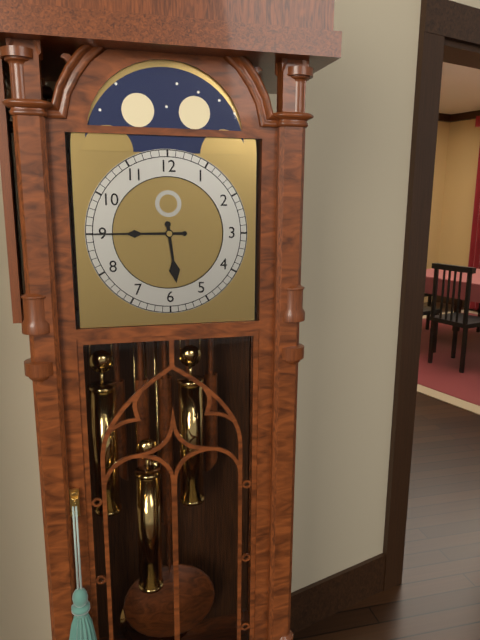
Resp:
5:45
